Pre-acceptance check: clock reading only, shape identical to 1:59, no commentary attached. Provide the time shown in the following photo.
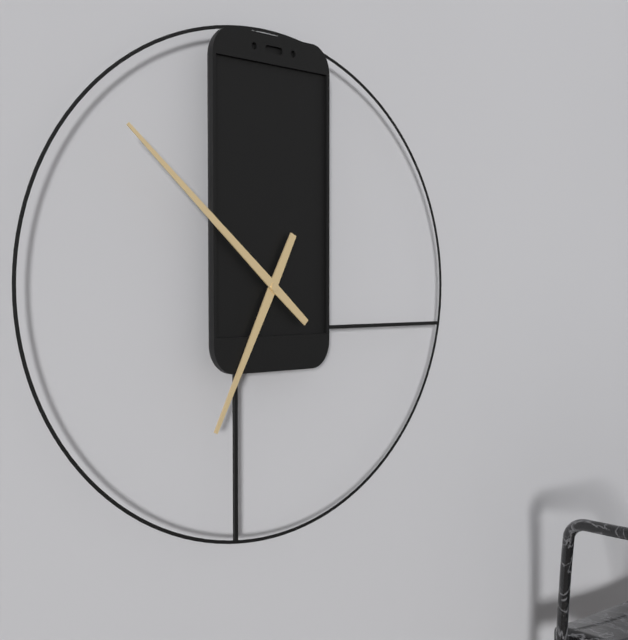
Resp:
6:52
